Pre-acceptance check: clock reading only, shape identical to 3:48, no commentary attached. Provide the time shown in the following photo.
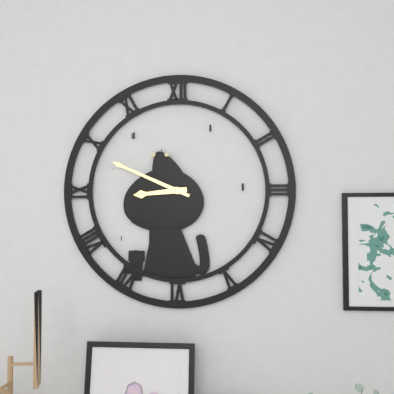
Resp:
8:49
